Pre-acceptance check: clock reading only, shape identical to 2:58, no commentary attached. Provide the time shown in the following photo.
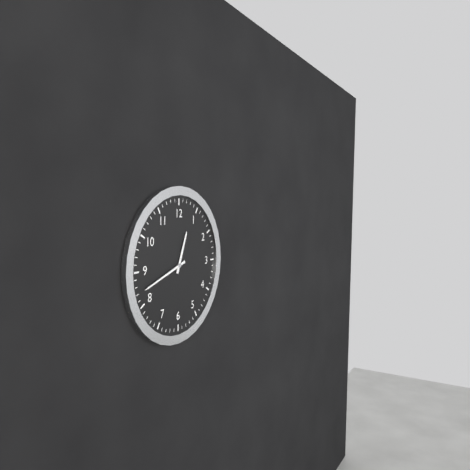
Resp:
12:42
